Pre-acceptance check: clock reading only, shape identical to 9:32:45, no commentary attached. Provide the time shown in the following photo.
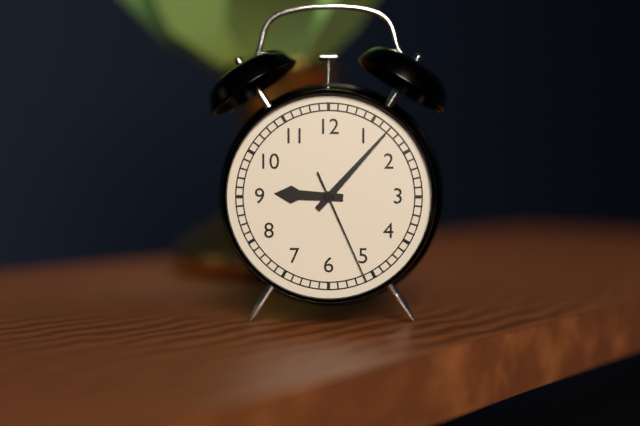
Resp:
9:07:26
